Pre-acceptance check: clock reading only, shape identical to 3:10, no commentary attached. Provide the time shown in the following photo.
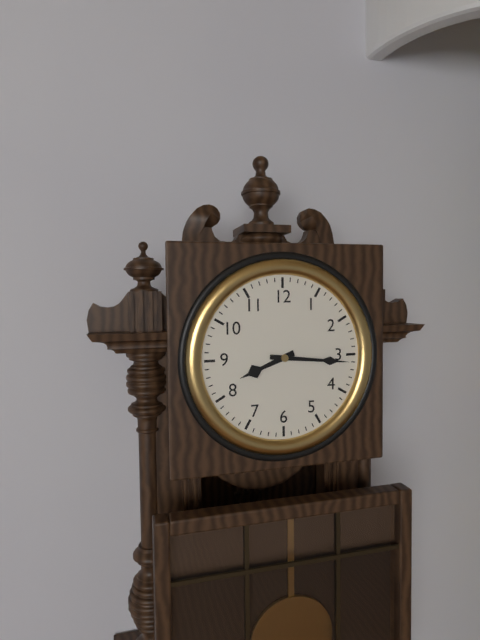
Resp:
8:16
